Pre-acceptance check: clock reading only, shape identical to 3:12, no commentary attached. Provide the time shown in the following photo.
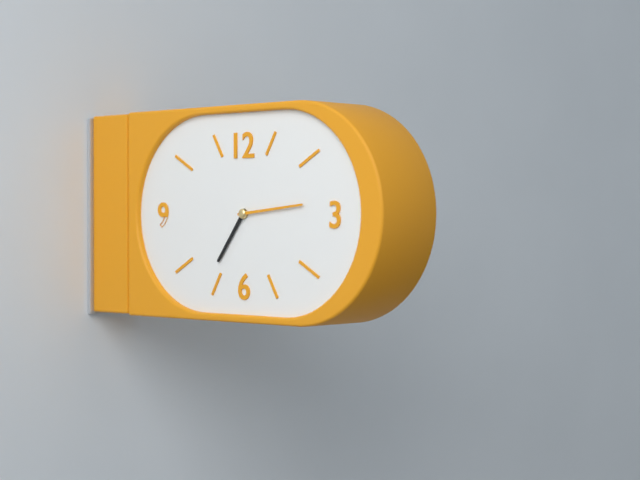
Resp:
7:14
